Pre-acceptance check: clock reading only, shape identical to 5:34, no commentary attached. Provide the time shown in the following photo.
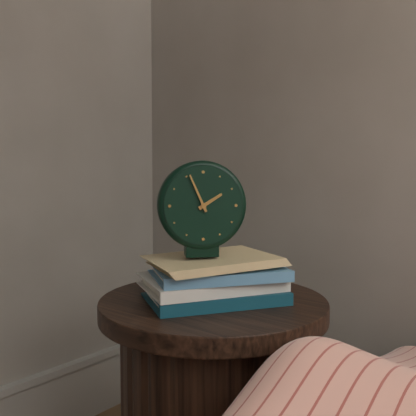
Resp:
1:56
